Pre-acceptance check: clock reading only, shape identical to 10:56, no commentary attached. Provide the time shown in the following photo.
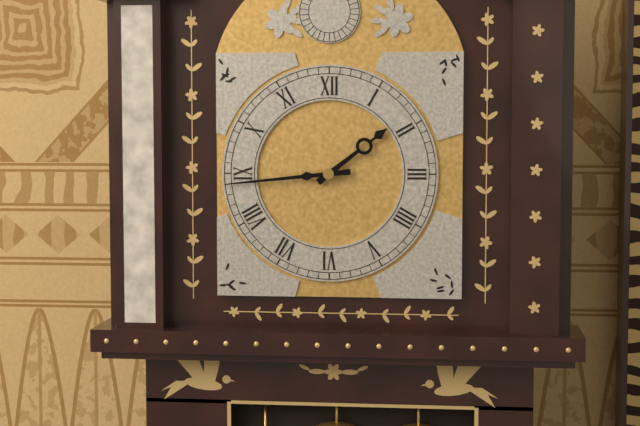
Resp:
1:44
